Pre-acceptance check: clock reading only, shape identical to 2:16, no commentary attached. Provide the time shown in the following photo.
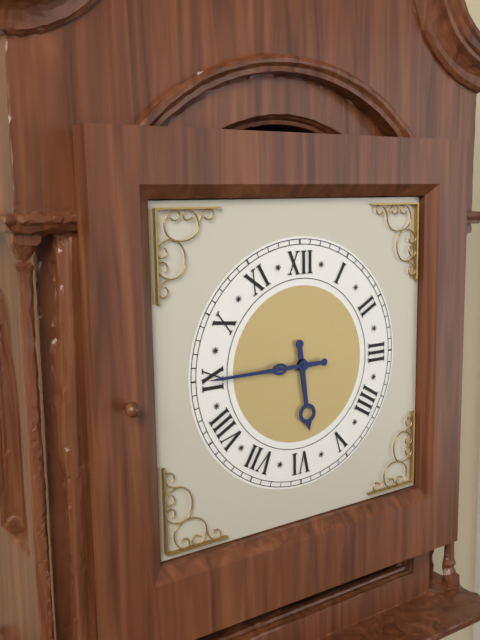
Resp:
5:45
